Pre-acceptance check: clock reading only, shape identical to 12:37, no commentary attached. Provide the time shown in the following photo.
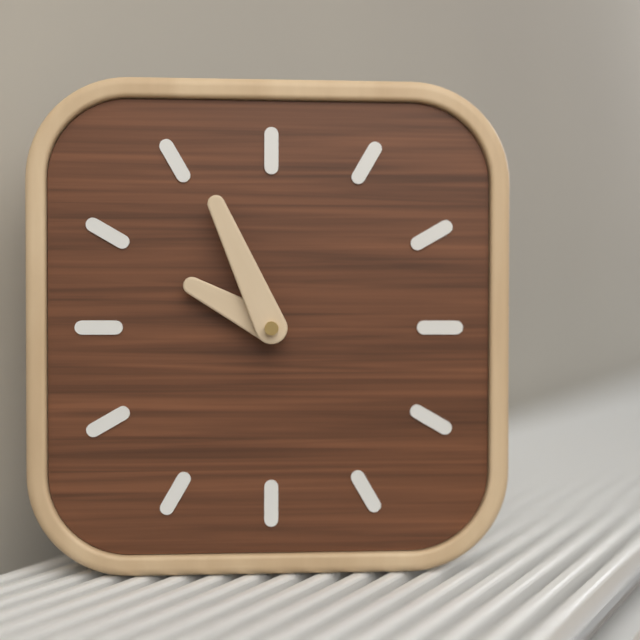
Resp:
9:56
